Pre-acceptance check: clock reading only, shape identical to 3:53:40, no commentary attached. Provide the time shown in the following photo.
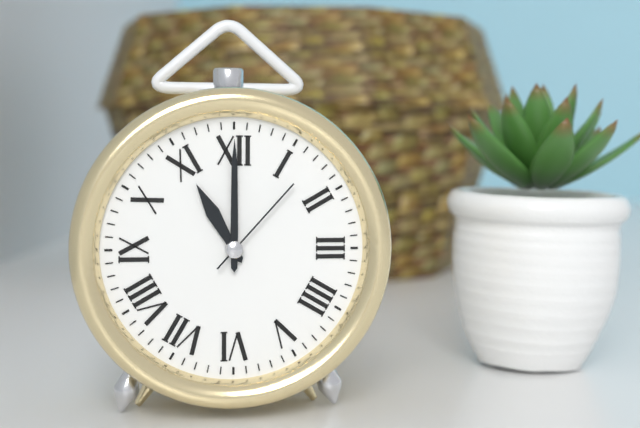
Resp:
11:00:07
